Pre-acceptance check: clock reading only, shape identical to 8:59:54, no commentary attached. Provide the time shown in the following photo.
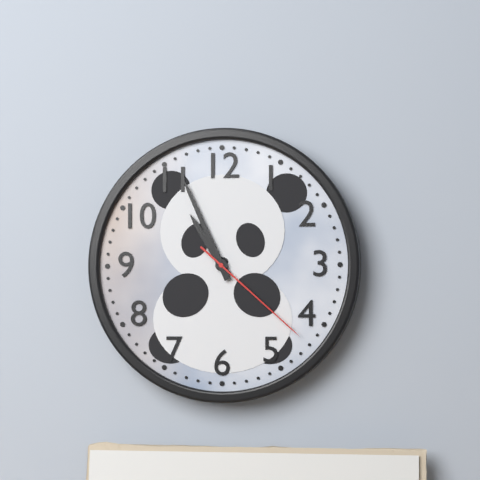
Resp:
10:56:22
